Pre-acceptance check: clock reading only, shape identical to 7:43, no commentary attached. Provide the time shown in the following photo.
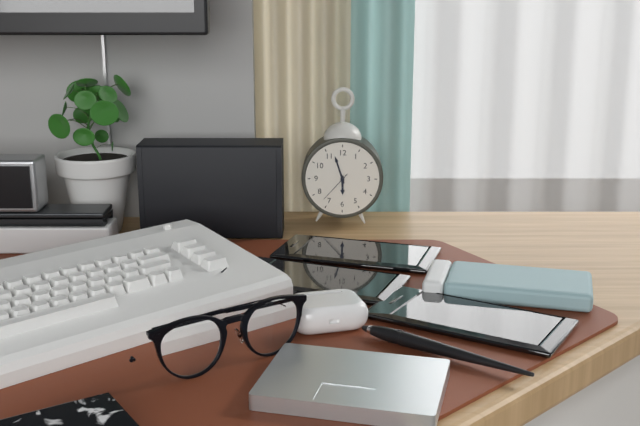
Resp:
5:57
